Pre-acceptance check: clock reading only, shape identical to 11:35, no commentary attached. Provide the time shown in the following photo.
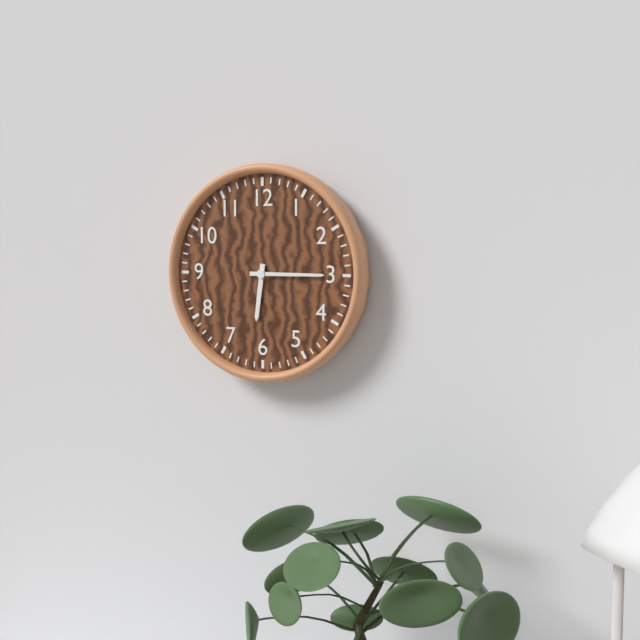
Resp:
6:15
